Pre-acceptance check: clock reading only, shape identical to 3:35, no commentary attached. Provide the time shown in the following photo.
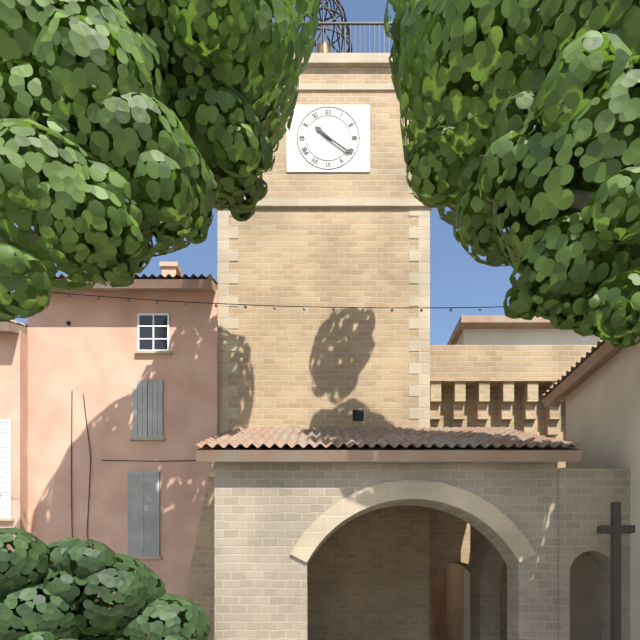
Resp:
10:21
